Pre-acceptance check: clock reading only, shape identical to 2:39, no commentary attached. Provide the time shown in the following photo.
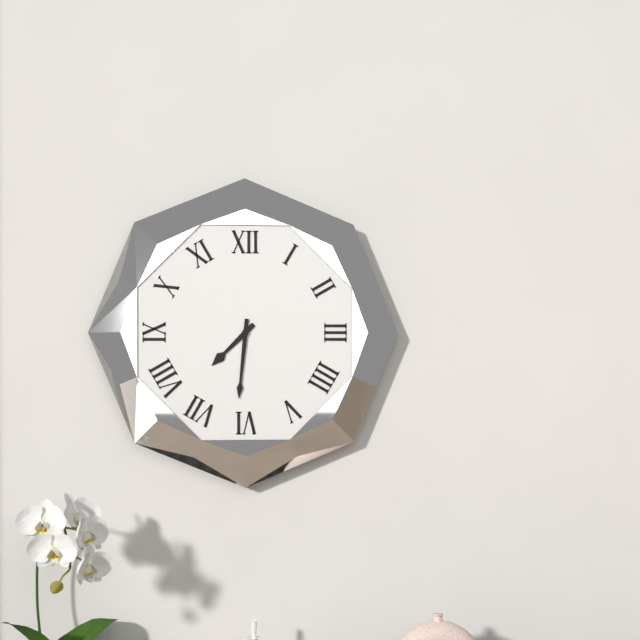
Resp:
7:31
